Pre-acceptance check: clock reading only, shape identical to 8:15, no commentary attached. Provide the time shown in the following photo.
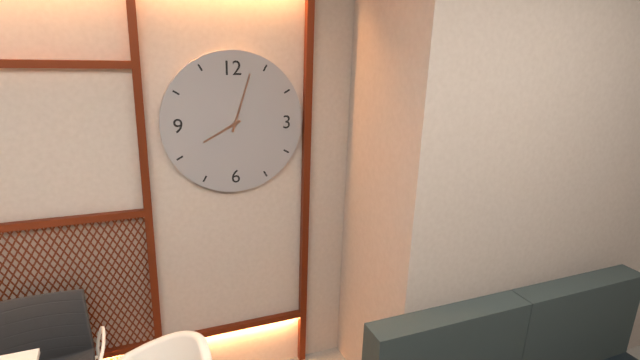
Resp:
8:03
